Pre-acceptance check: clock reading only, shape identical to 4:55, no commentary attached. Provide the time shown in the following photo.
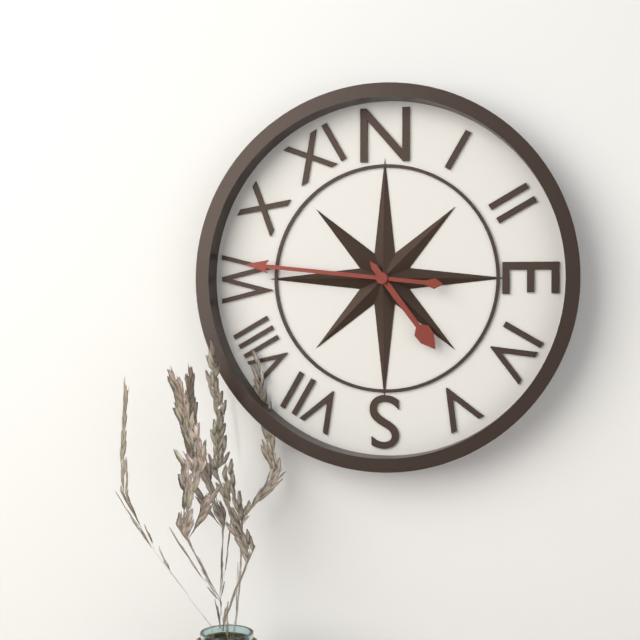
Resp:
4:46
